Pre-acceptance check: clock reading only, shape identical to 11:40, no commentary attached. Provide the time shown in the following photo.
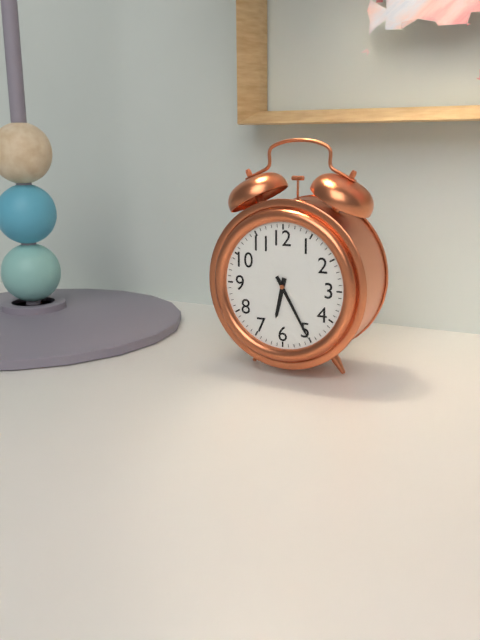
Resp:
6:25
